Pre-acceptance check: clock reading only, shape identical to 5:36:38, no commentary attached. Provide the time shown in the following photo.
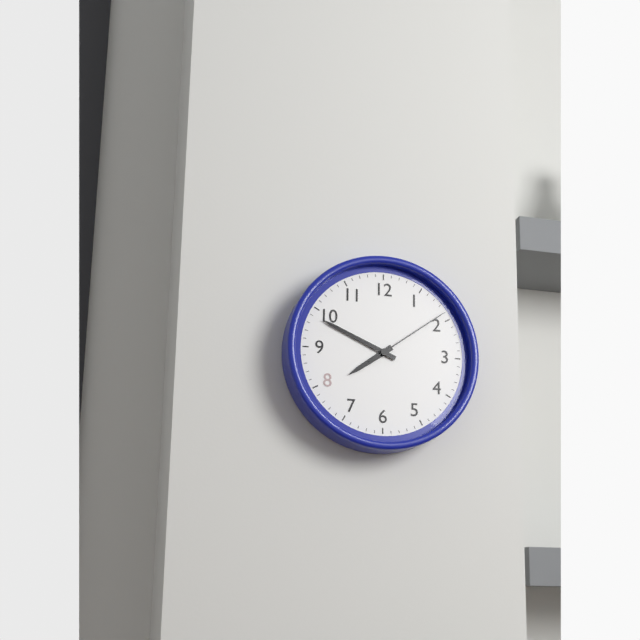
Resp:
7:49:09
